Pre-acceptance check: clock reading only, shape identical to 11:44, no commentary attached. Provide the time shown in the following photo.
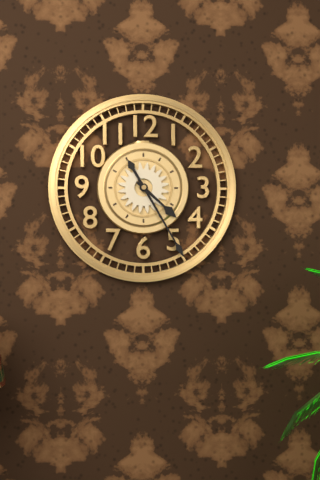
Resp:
4:25
